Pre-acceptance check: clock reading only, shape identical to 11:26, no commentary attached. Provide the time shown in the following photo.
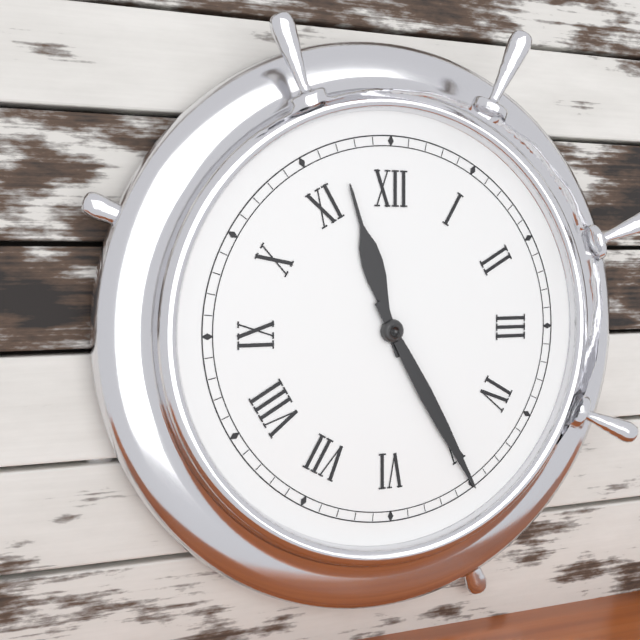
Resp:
11:25
